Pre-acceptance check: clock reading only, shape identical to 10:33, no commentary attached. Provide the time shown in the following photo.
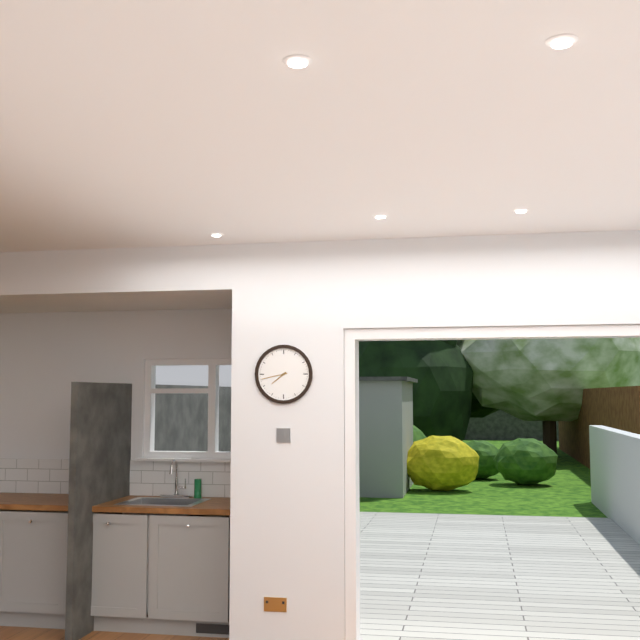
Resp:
7:43
